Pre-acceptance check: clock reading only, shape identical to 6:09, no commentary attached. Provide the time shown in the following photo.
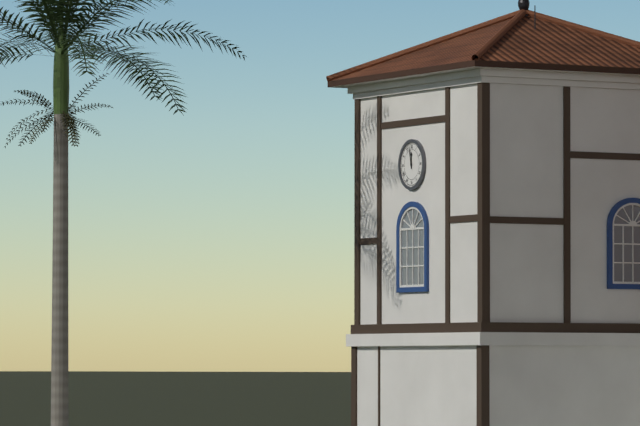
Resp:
11:58
